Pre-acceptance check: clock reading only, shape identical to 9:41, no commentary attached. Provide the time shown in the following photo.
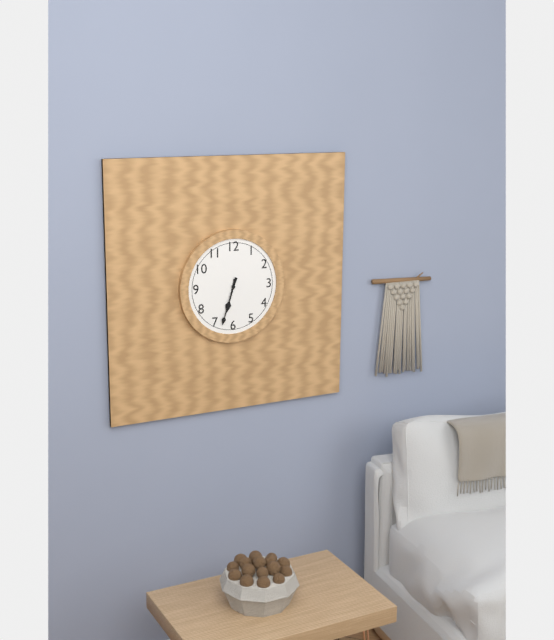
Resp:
6:33
